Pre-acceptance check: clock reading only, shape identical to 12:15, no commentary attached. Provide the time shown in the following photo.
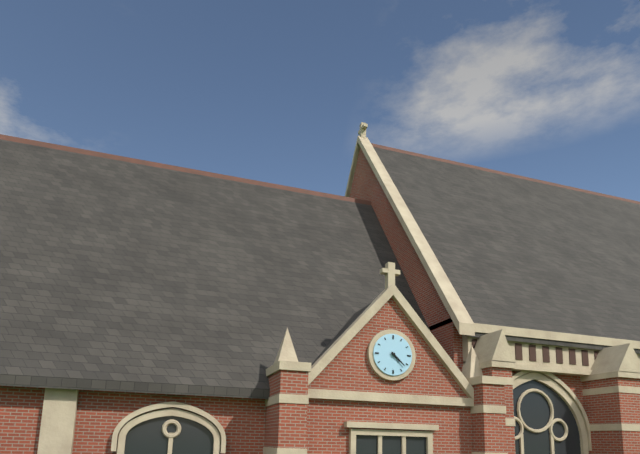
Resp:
4:22
